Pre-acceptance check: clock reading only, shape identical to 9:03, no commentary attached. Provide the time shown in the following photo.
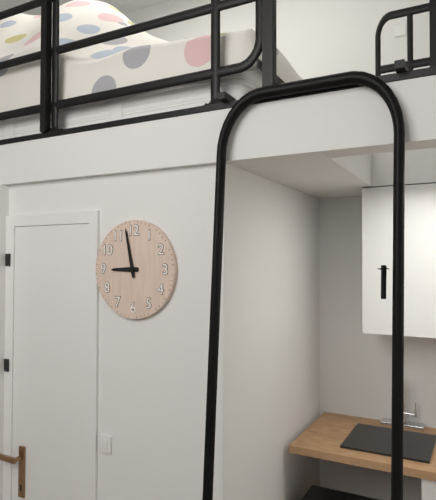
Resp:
8:58
